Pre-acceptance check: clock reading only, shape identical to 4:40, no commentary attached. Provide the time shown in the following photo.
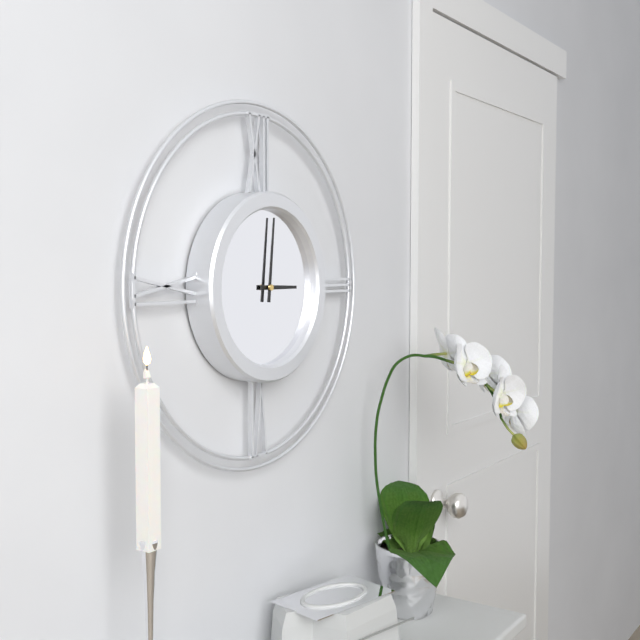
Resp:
3:01
